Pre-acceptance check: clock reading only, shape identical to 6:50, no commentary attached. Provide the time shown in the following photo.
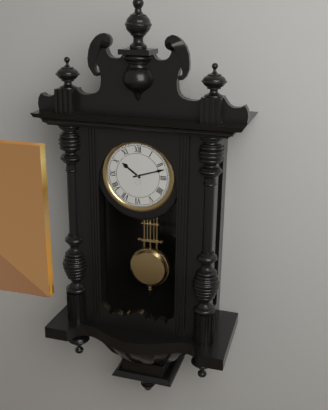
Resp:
10:12
